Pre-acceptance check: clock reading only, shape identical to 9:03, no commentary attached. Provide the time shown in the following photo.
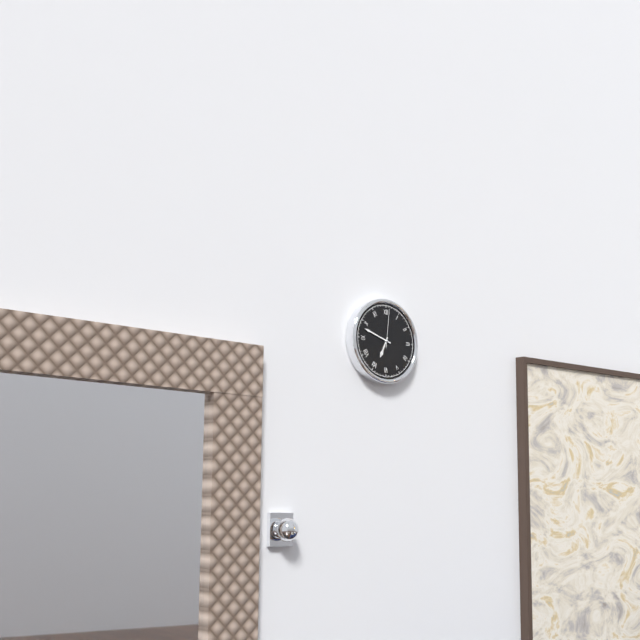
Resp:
6:48
